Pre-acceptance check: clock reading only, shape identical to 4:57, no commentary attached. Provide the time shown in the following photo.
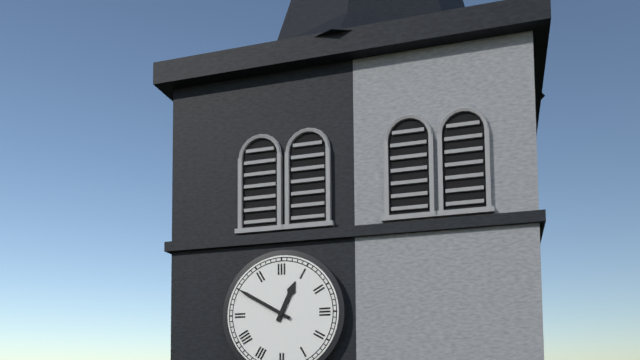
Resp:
12:50
